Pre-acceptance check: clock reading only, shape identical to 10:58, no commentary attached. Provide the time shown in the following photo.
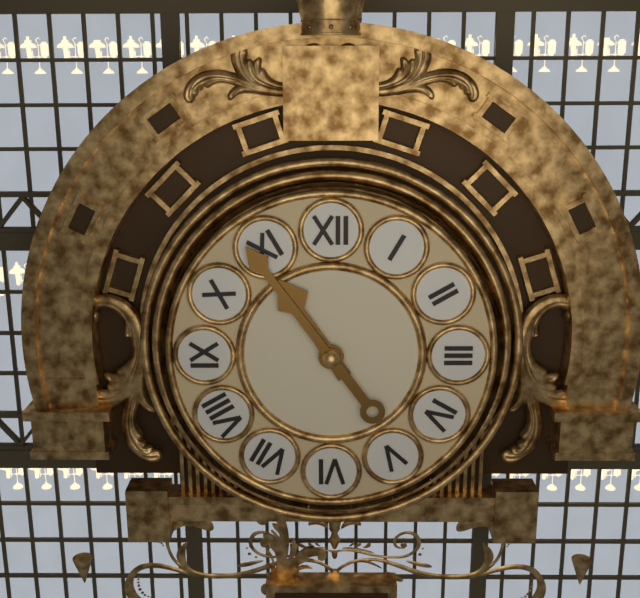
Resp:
10:54
